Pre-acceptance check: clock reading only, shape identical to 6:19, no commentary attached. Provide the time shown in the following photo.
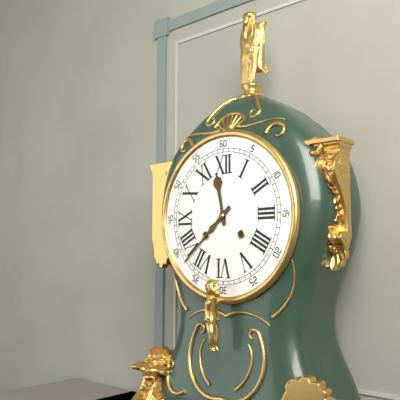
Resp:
11:38
